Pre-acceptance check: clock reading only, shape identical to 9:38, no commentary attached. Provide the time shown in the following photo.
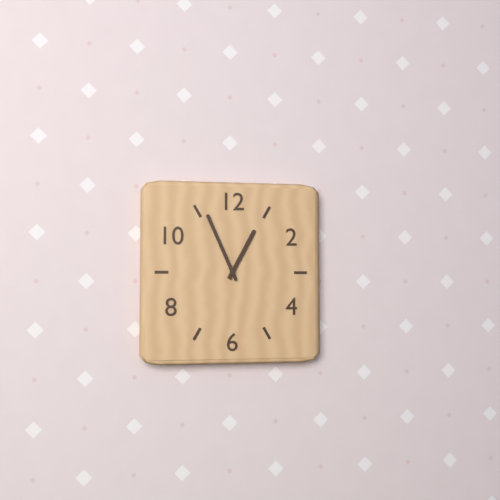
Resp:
12:56
